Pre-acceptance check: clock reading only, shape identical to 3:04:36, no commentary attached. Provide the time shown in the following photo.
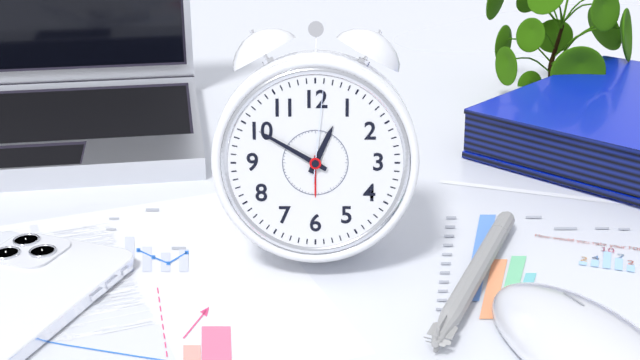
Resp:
12:50:01
